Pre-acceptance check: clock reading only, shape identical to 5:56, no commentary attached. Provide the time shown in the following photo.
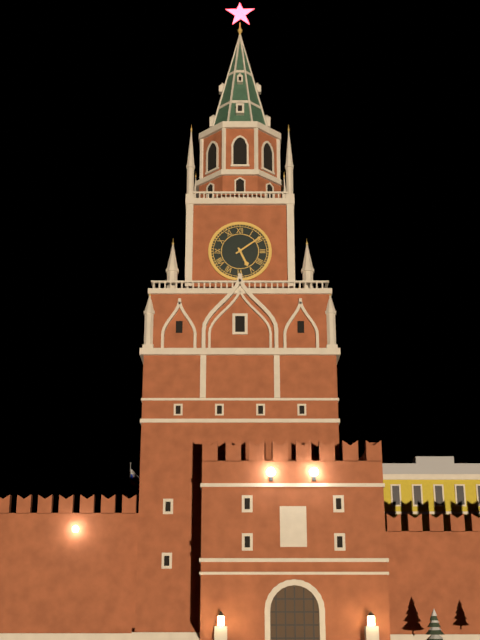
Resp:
5:09
